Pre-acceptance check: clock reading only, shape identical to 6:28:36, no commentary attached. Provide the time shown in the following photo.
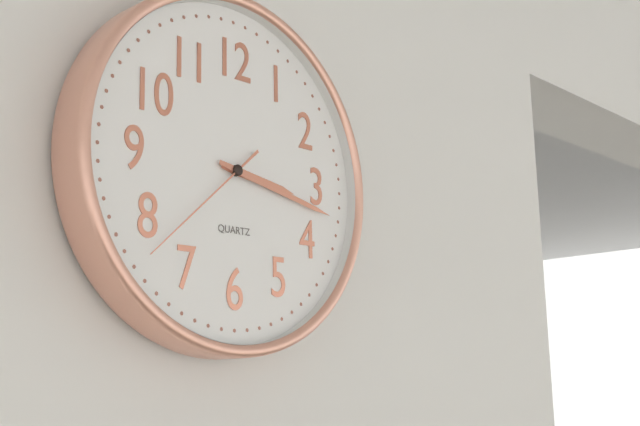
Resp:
3:17:38
